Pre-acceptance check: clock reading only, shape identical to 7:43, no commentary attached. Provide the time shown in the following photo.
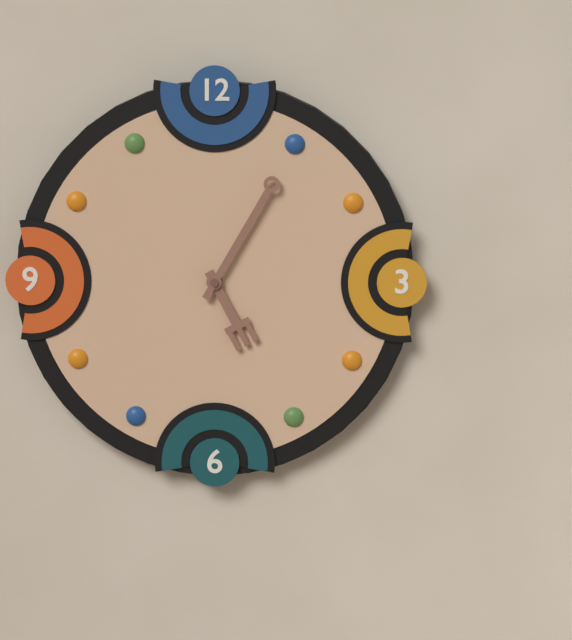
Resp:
5:05
